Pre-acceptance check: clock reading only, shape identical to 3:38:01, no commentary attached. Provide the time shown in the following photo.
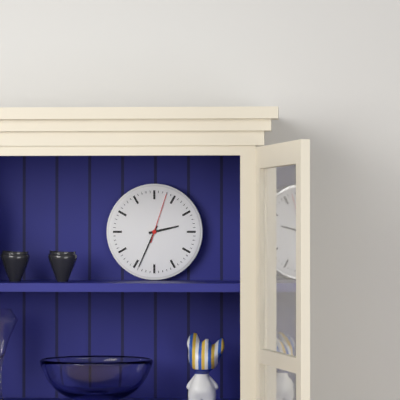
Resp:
2:34:03
